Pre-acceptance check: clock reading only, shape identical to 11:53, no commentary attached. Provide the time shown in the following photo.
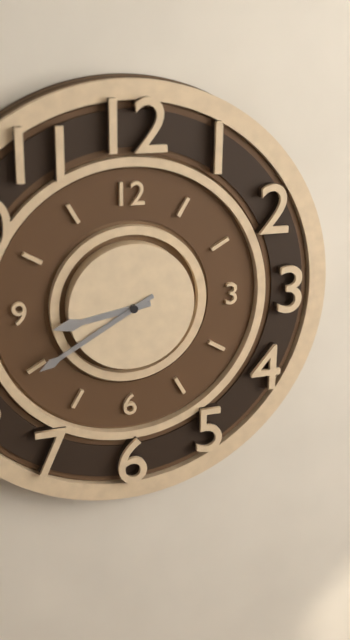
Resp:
8:40
